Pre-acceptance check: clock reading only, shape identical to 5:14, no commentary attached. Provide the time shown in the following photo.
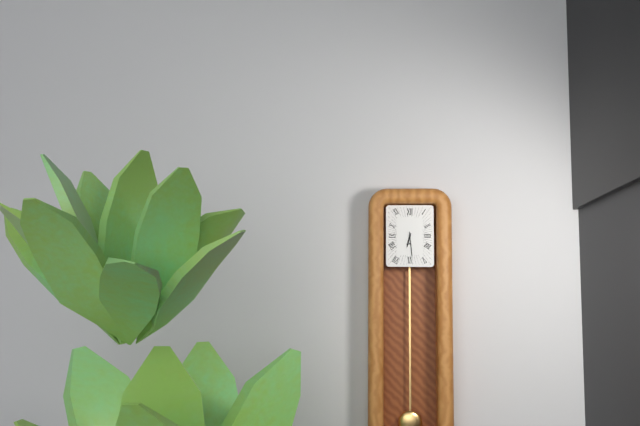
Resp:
6:29
